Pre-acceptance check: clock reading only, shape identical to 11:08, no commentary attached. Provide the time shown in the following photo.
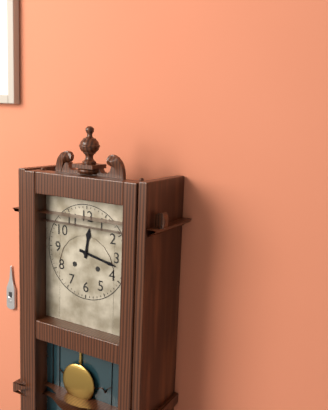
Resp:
12:17
